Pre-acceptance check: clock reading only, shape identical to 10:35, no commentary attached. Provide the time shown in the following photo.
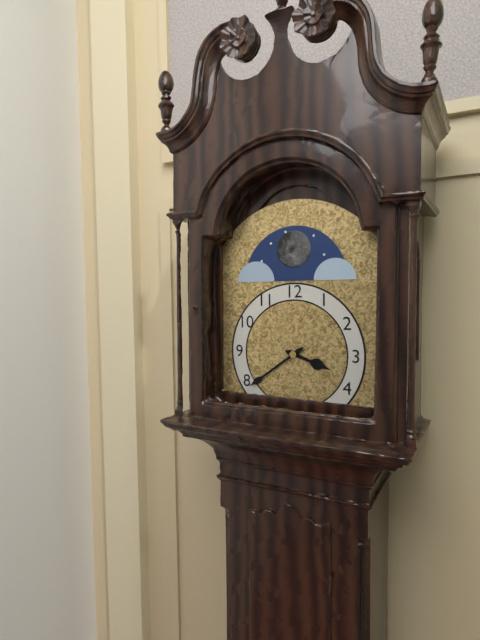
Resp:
3:39
